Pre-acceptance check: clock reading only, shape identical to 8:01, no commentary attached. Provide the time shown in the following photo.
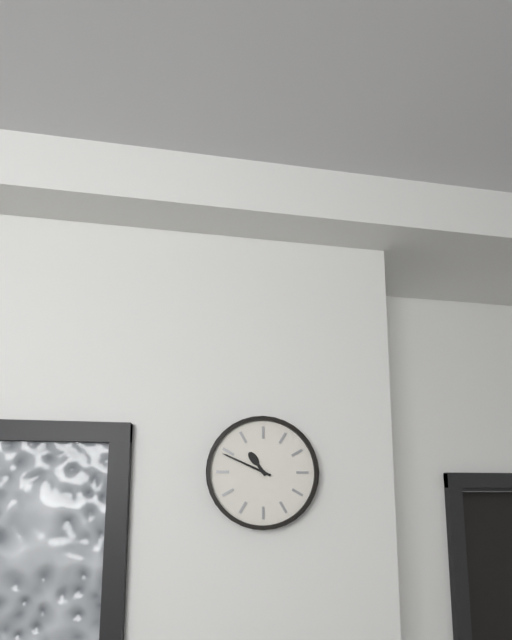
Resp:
10:49
